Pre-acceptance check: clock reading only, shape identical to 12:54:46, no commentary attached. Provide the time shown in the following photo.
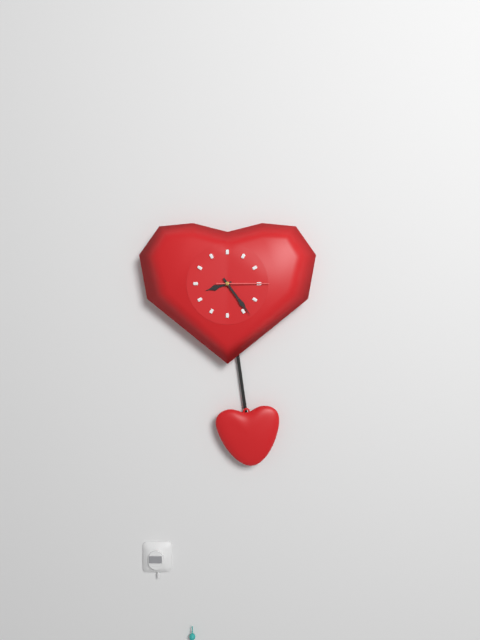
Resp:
8:24:15
